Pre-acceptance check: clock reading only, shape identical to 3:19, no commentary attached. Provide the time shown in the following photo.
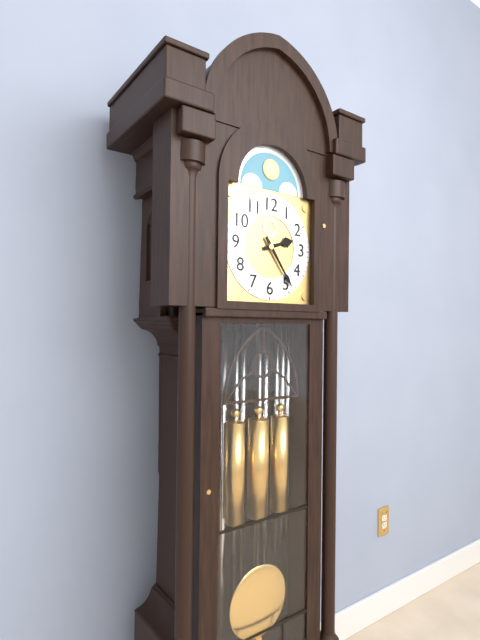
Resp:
2:24
